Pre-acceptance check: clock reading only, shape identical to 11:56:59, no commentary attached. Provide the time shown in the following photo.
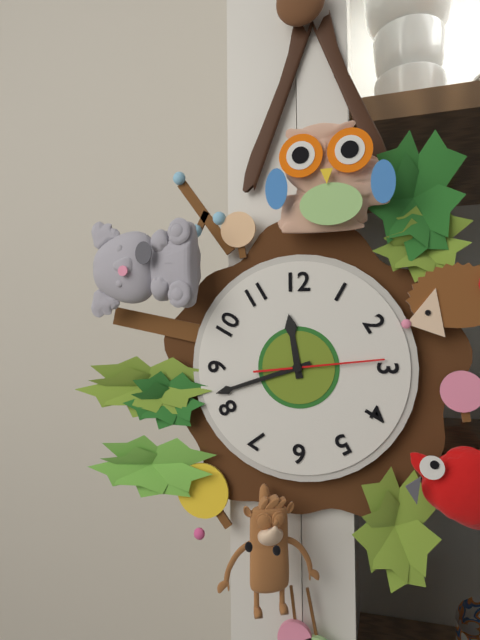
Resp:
11:42:14
